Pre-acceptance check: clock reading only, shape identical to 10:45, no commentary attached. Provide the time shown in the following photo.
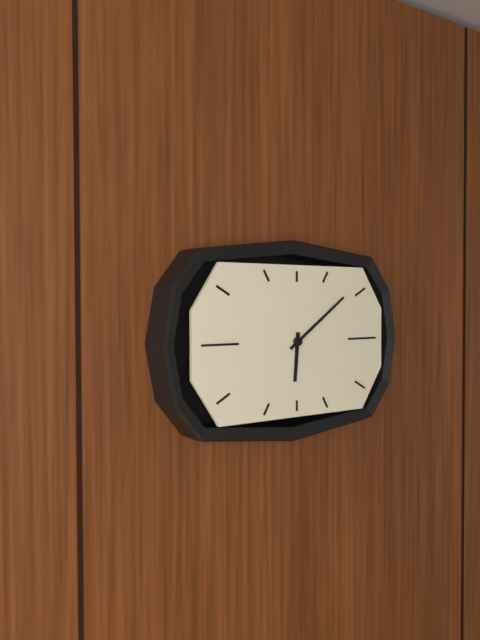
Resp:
6:09
